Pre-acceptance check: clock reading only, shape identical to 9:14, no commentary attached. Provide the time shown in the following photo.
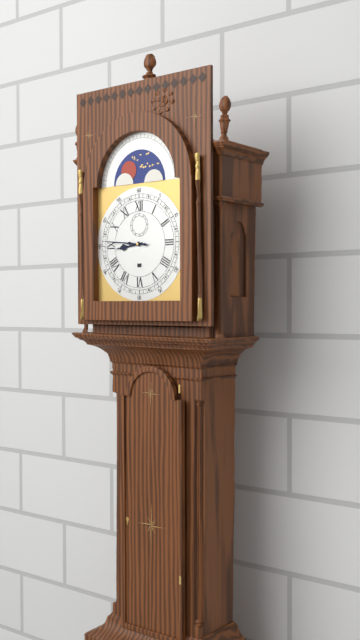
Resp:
8:46
